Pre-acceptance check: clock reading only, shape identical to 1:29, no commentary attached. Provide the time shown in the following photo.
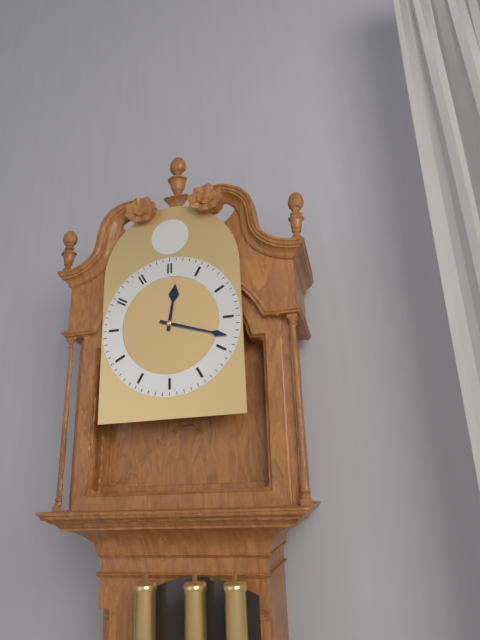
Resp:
12:18
